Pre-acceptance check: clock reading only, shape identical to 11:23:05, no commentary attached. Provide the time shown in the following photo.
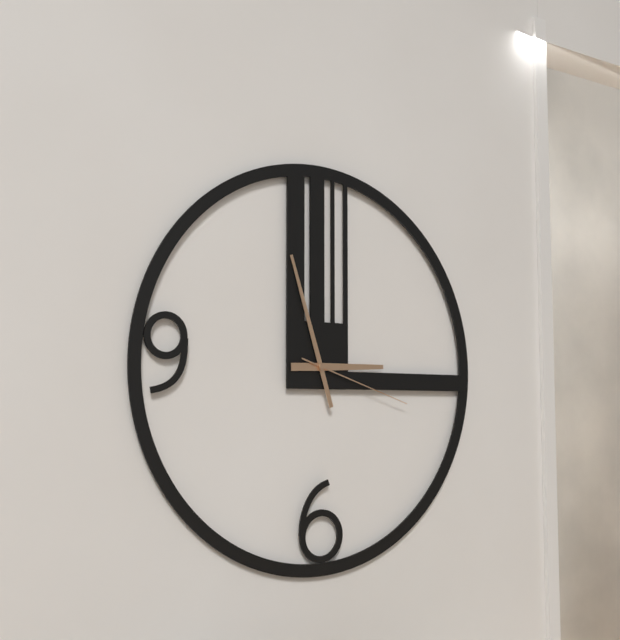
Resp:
2:57:18
